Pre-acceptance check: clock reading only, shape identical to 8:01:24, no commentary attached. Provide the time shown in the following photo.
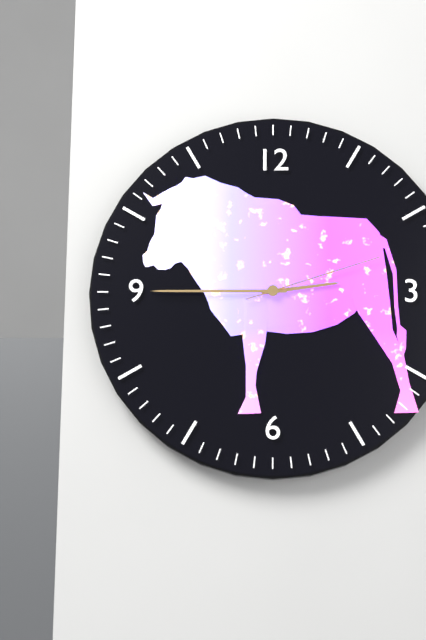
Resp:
2:45:12
